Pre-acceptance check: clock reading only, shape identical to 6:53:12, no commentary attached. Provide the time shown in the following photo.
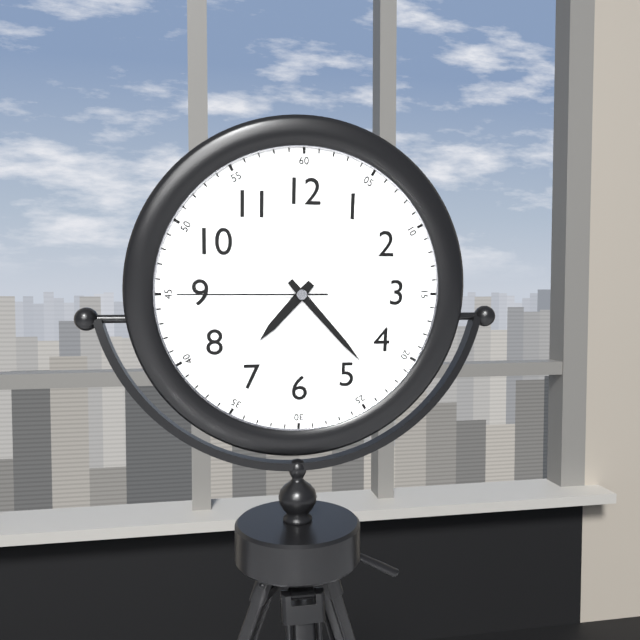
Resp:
7:23:45
